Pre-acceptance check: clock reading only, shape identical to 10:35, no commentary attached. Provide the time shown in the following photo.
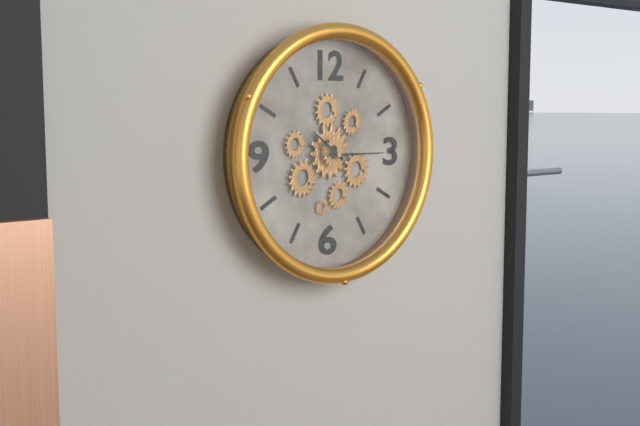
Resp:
10:15
